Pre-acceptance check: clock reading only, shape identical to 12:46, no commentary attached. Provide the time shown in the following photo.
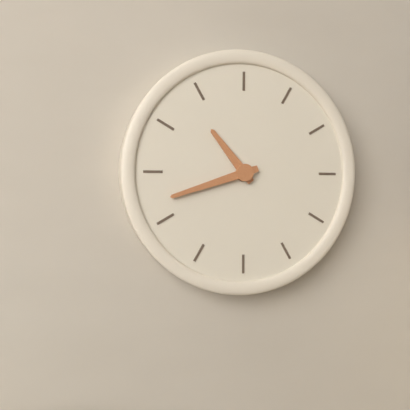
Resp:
10:42
